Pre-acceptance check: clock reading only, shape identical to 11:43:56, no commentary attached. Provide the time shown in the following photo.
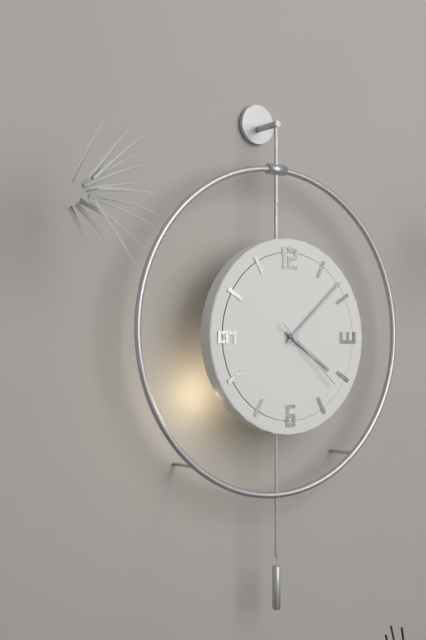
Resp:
4:08:22
